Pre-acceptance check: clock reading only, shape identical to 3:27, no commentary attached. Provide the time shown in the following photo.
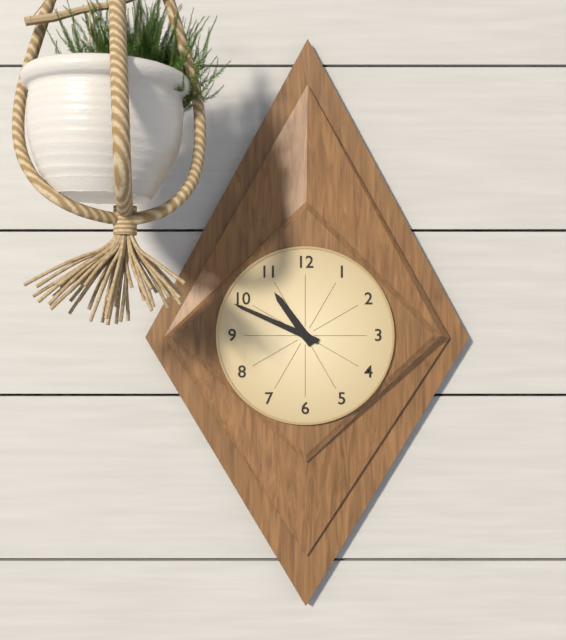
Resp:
10:49
